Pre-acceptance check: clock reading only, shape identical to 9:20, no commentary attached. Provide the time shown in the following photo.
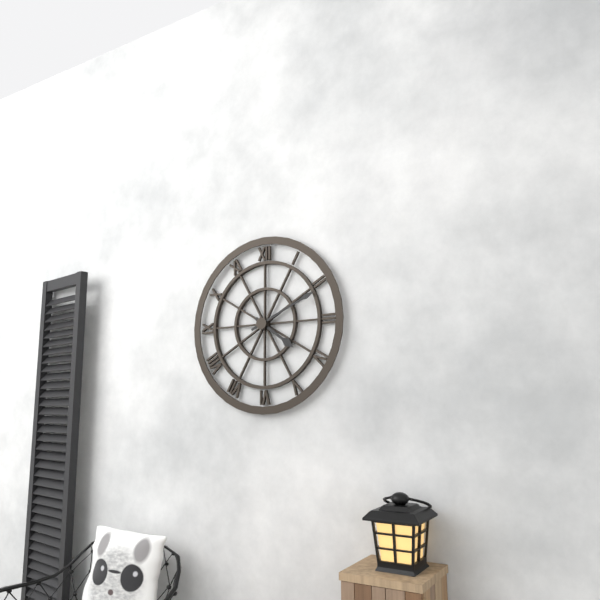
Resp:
4:11
